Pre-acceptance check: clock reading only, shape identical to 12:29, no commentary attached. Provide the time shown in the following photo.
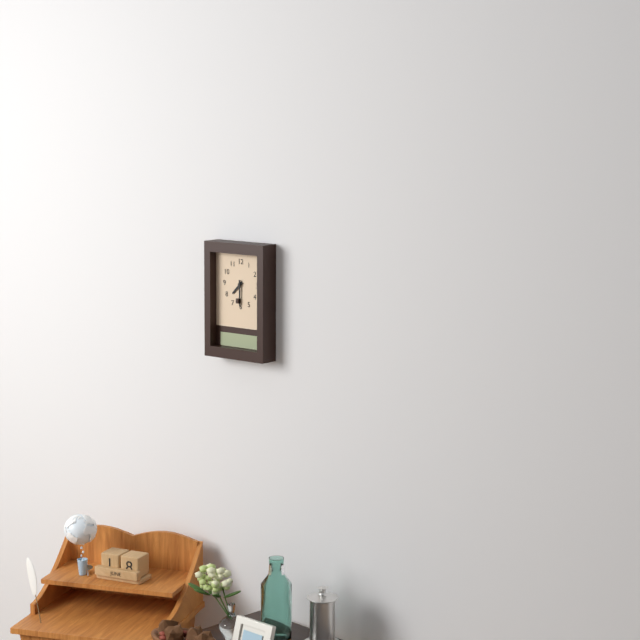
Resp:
7:30
